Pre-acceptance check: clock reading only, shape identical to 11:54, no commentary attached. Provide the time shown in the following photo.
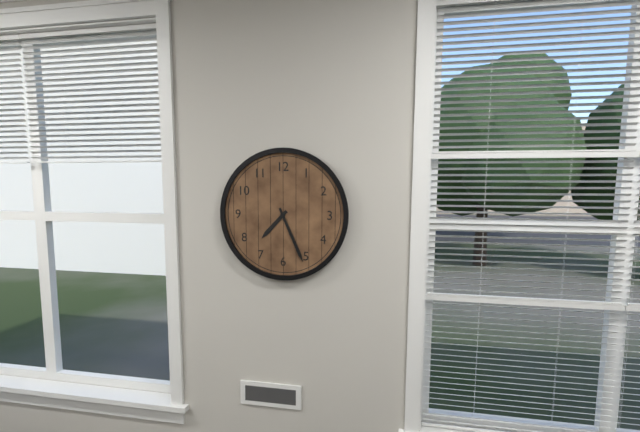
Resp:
7:26
